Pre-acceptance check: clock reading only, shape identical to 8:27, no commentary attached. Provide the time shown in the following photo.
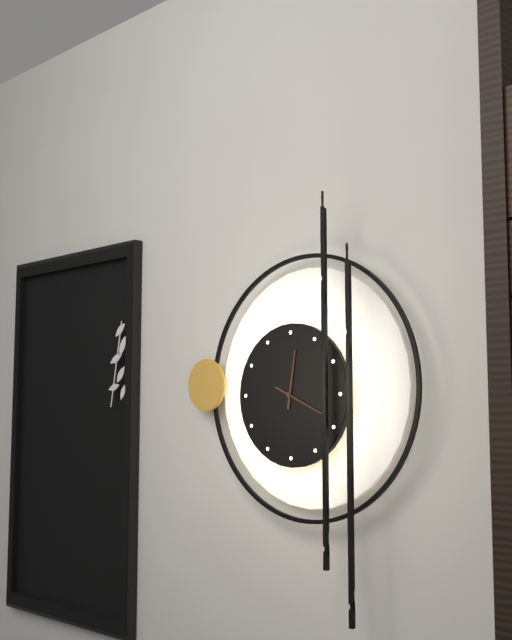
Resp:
12:19
